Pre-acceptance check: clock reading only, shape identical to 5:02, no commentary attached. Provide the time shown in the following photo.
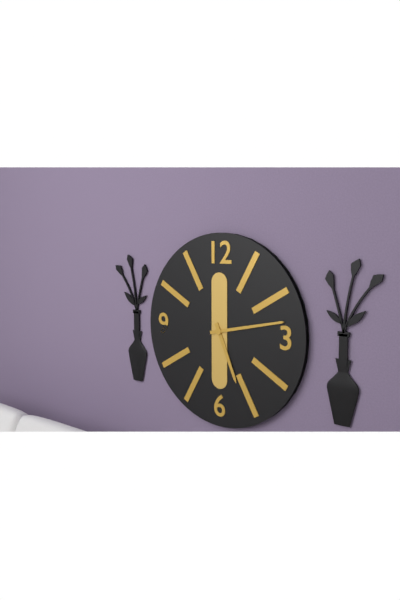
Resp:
5:13
